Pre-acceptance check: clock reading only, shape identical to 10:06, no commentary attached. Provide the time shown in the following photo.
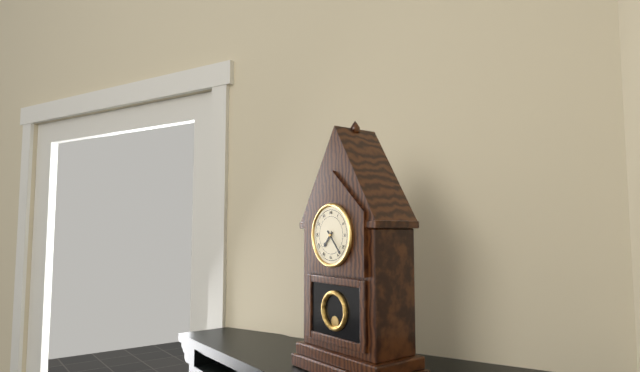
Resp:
7:23
